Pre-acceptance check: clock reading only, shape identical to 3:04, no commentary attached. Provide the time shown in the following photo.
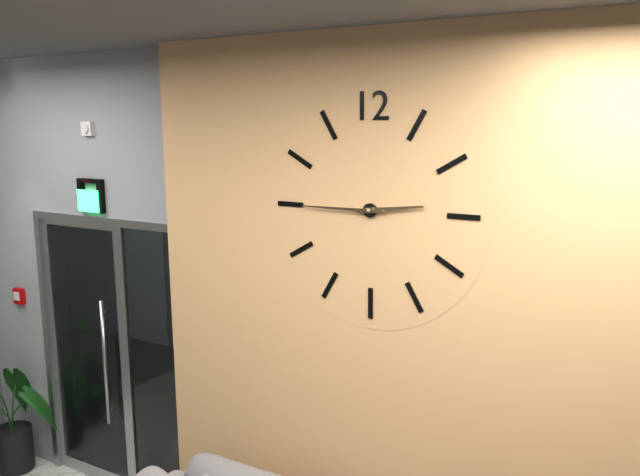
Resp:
2:45
